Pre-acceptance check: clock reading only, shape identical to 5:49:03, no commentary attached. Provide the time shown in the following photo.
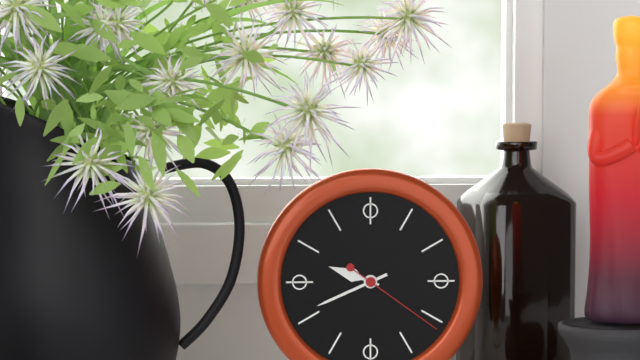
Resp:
9:41:21
